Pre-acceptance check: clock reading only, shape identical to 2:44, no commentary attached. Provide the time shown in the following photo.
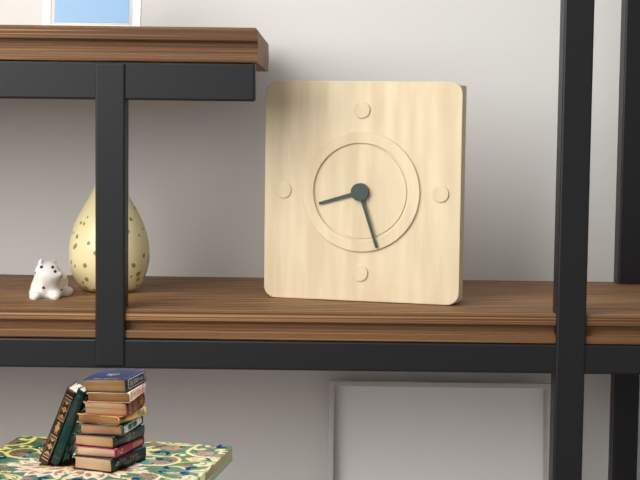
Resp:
8:27
